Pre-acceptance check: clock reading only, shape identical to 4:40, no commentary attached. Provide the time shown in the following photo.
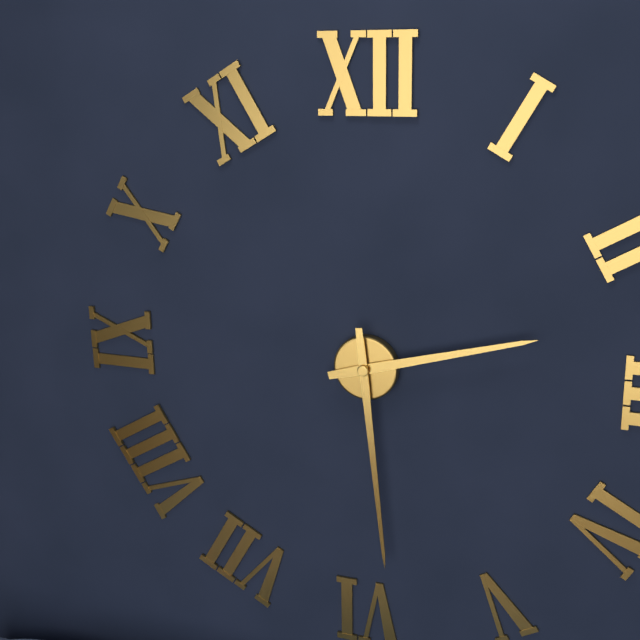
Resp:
2:29
